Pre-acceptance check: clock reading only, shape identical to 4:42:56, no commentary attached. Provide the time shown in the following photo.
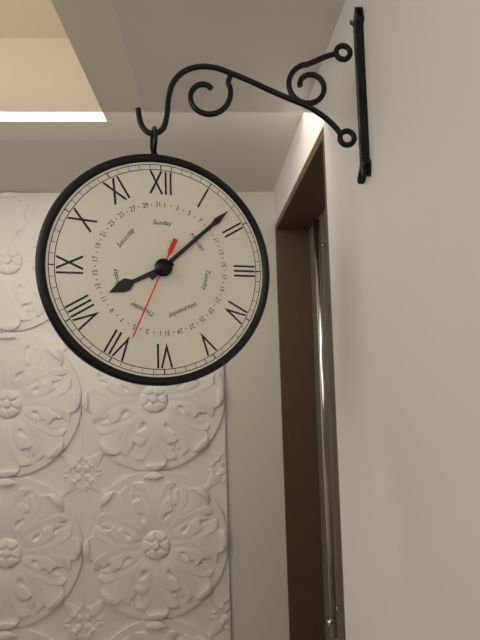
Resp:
8:08:34
